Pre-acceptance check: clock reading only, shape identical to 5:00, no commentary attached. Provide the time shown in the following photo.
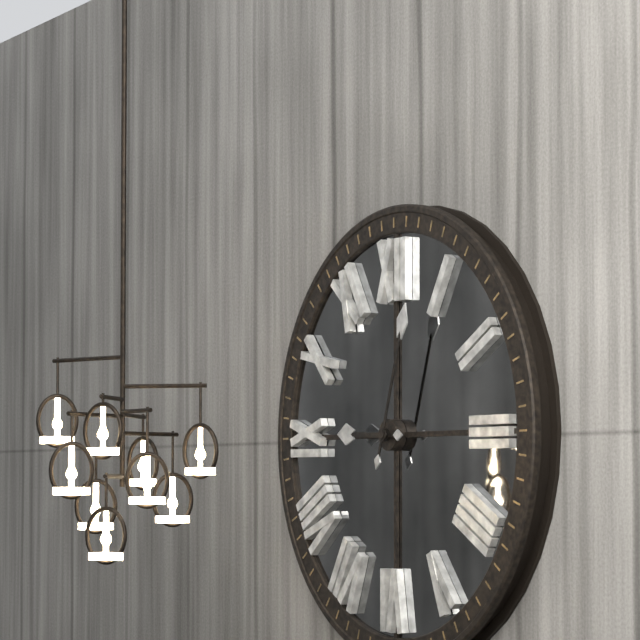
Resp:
9:03
